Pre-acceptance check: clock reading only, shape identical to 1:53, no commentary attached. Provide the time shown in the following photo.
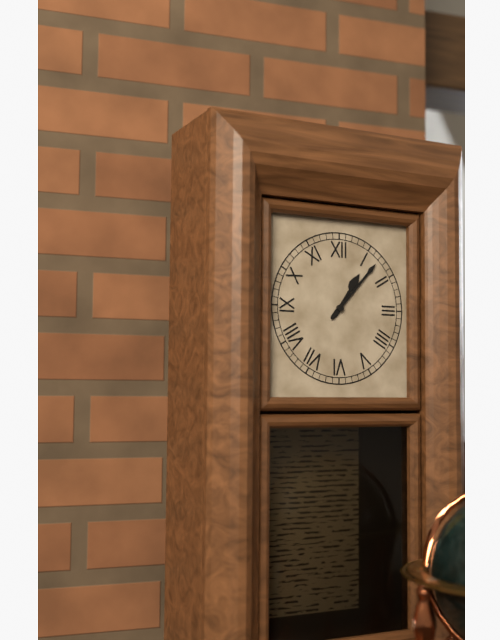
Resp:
1:07
